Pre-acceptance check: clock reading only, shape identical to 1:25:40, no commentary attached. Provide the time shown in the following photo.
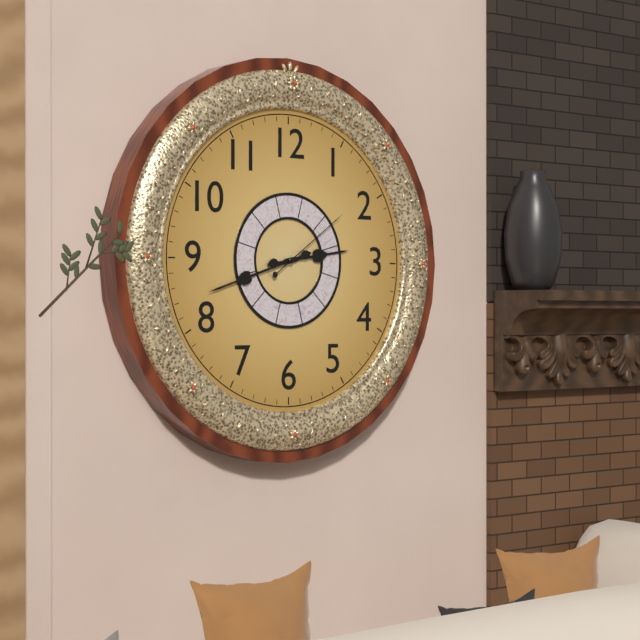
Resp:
2:42:09
